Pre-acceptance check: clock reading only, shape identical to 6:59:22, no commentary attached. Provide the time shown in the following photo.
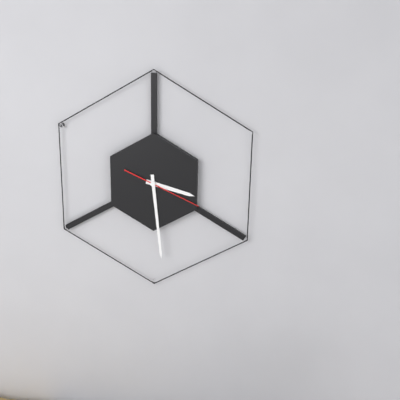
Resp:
3:29:19
